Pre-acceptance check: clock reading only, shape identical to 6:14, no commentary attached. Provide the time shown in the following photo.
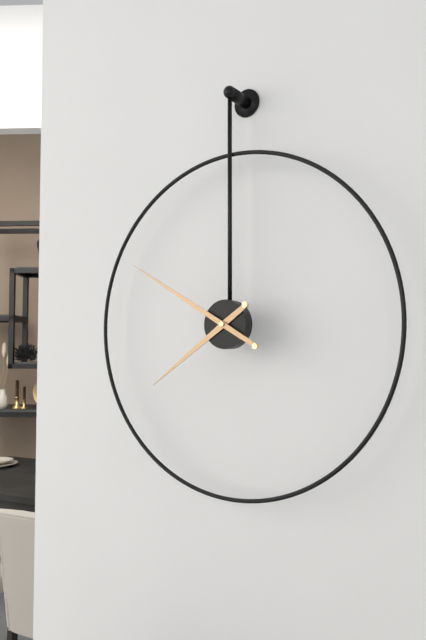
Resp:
7:50
